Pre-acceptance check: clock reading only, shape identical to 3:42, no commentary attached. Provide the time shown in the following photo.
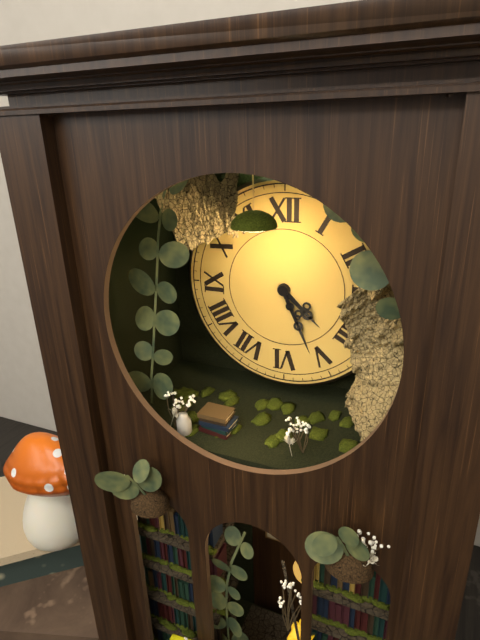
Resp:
4:26
